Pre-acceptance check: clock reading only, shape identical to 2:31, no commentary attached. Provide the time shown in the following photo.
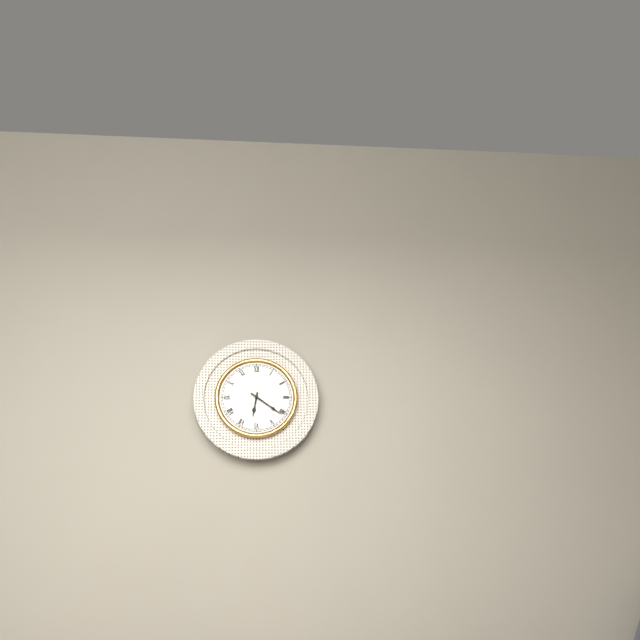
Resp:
6:21
